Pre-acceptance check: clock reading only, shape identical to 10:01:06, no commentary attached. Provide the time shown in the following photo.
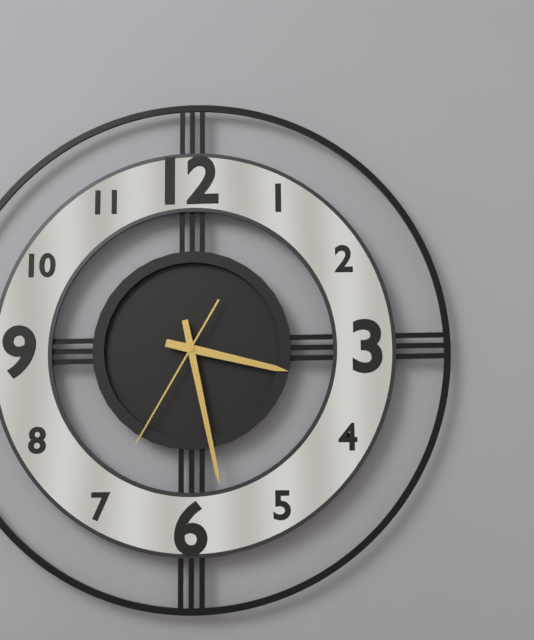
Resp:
3:28:35
